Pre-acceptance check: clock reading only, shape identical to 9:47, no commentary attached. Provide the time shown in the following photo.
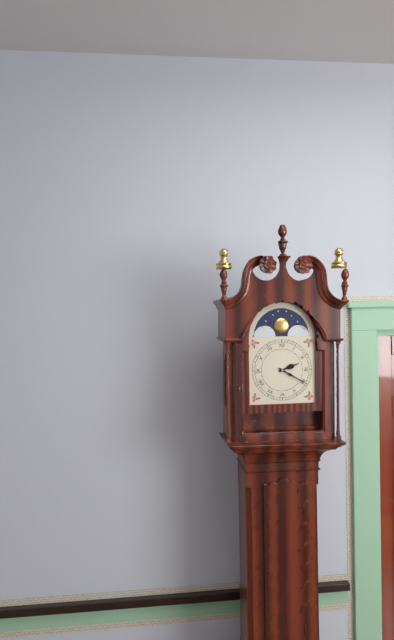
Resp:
2:20
